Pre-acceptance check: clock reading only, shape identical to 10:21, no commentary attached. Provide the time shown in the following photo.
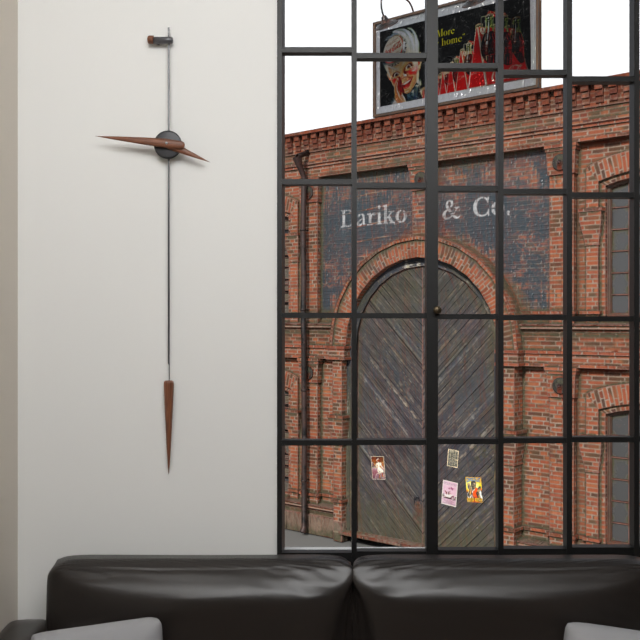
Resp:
3:46
